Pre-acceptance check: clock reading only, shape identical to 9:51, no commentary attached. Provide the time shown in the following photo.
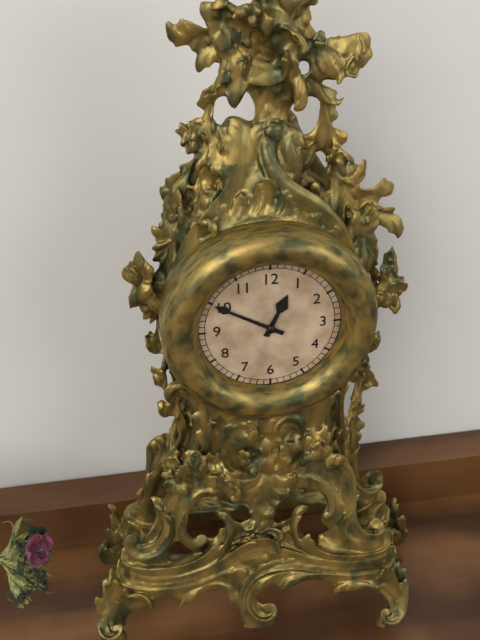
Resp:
12:50
